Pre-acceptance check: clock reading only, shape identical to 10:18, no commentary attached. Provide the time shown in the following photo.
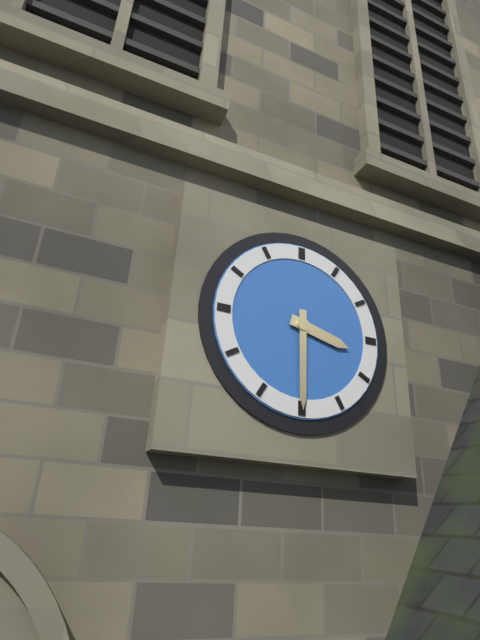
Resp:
3:30
